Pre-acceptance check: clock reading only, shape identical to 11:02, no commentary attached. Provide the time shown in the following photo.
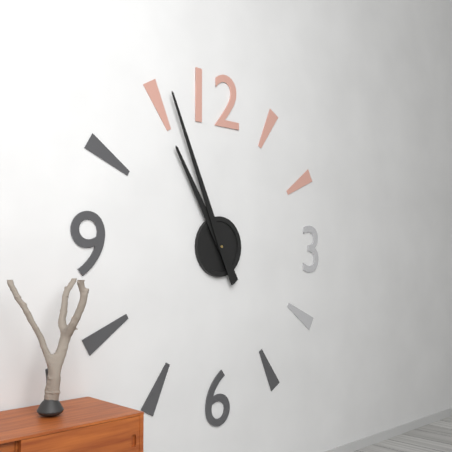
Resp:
10:56
